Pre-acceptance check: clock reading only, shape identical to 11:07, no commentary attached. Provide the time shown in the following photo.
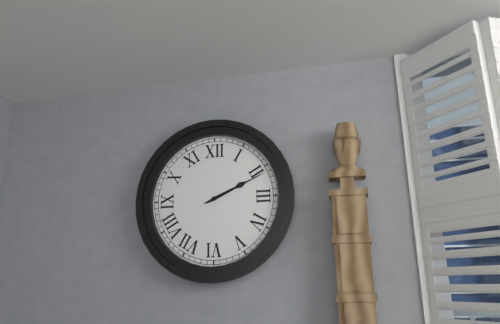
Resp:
2:11
